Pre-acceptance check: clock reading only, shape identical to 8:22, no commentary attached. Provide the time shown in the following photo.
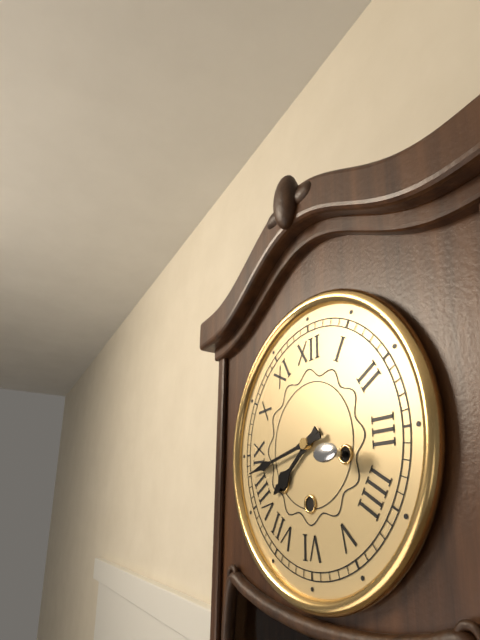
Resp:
7:43
